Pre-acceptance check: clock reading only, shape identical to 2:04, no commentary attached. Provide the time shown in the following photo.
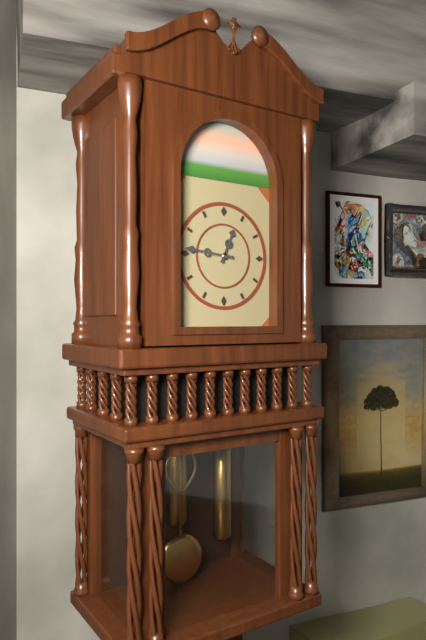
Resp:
12:46
